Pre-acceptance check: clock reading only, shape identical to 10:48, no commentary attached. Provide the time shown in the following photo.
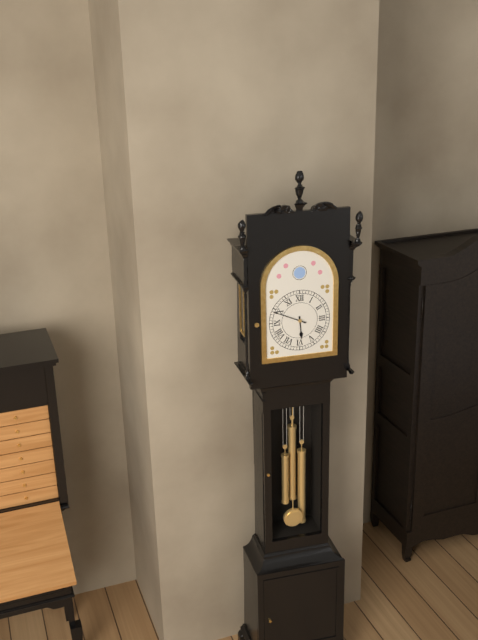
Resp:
5:49
